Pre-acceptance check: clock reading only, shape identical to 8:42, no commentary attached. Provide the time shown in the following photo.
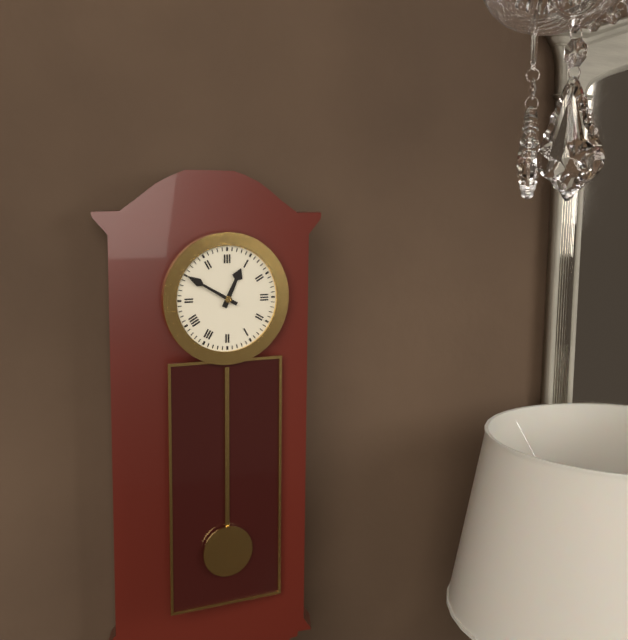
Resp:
12:50
